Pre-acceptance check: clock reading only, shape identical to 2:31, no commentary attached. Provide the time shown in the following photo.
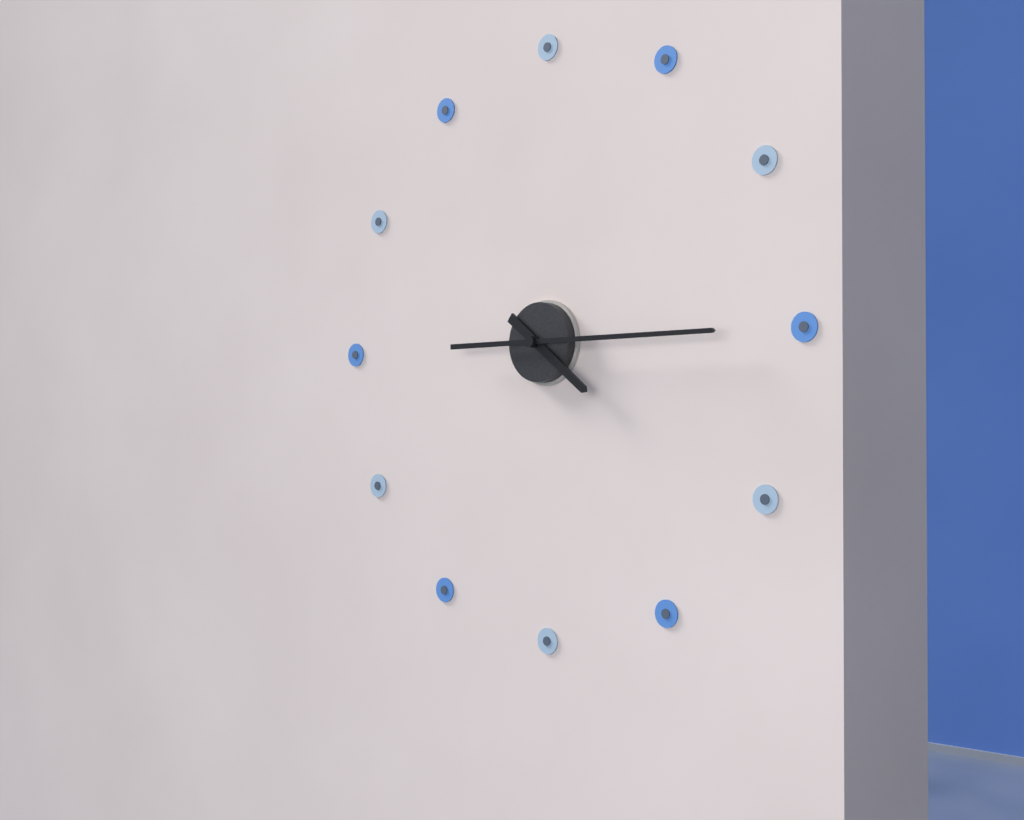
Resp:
4:15
